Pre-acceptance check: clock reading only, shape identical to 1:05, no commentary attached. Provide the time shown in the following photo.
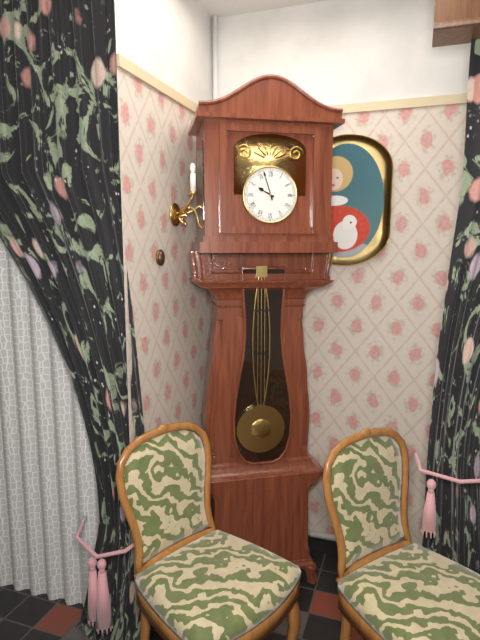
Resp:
9:57
